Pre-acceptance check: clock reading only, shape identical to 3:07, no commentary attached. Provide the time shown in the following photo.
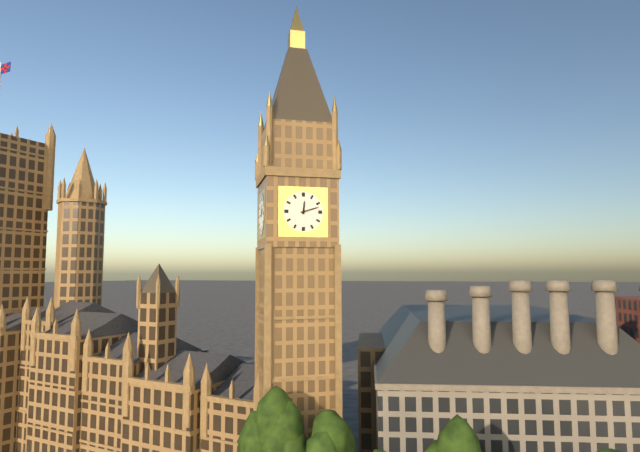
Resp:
12:12
